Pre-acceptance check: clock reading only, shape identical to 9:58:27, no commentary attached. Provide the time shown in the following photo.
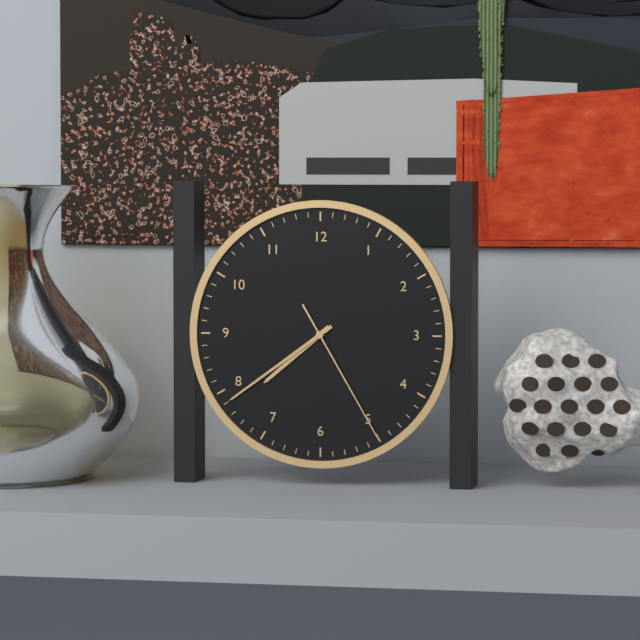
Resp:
7:39:25
